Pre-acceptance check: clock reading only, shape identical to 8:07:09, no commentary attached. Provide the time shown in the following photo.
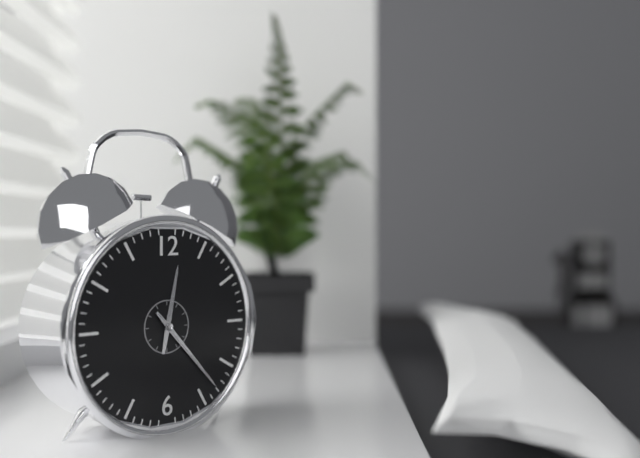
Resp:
12:23:23
